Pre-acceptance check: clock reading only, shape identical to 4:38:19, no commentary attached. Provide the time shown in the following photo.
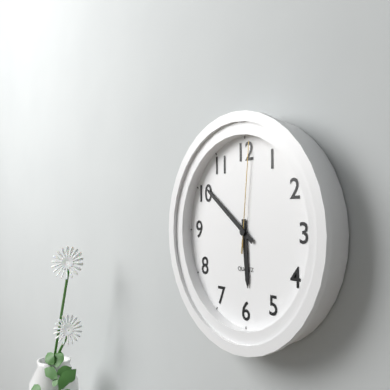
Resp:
5:51:01
